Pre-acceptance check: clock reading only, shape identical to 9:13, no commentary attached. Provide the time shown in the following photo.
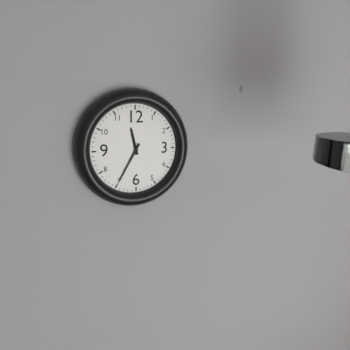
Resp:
11:35
